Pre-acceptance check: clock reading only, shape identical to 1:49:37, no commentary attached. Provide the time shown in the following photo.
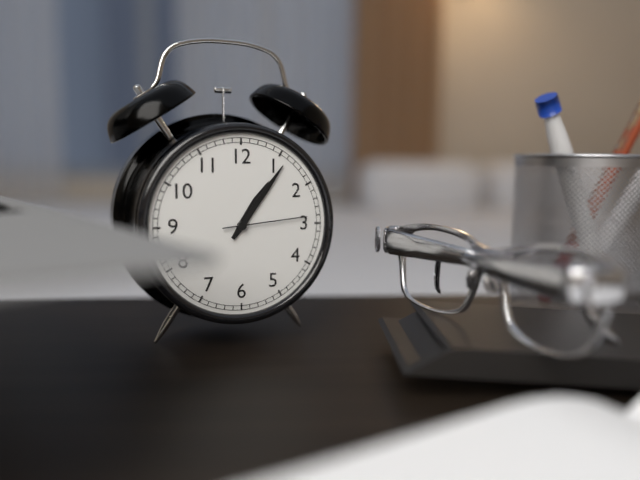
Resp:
1:06:14
